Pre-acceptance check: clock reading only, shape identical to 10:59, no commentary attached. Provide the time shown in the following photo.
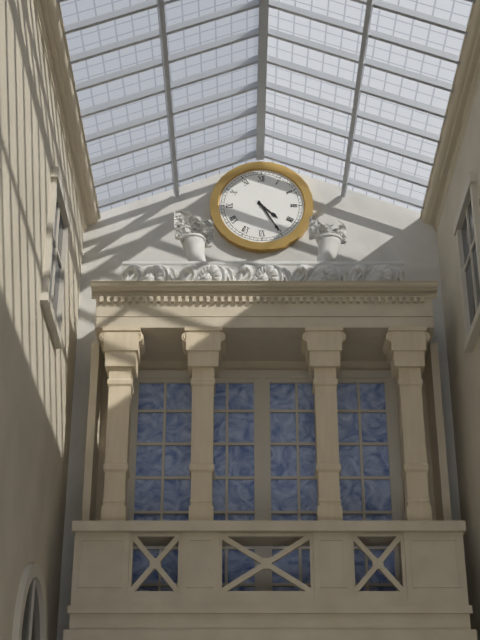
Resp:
4:25
